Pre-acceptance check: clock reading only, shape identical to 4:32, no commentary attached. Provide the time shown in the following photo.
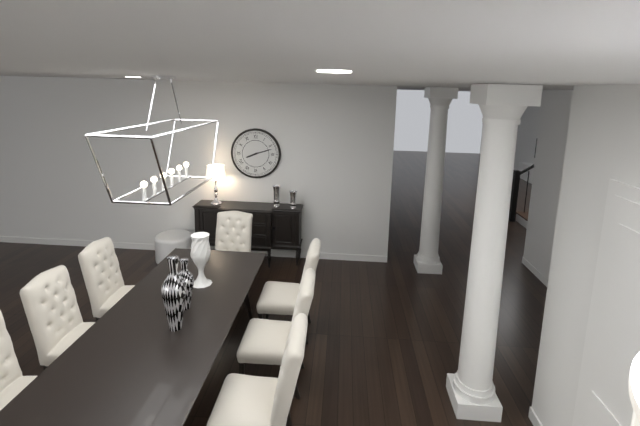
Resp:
8:12
